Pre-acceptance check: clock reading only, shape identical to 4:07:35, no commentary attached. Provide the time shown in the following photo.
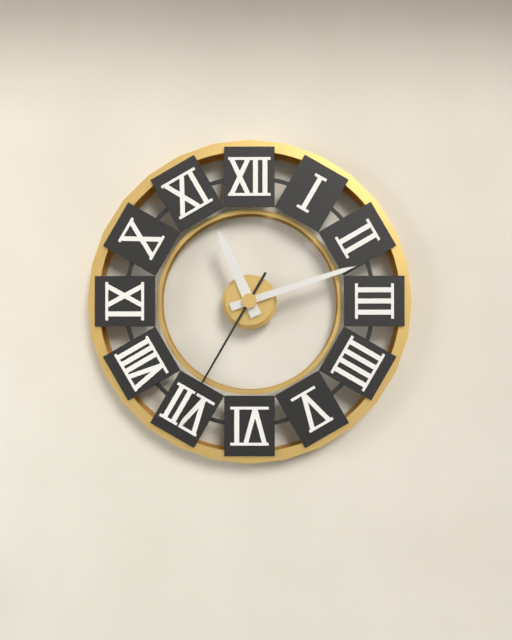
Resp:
11:12:35
